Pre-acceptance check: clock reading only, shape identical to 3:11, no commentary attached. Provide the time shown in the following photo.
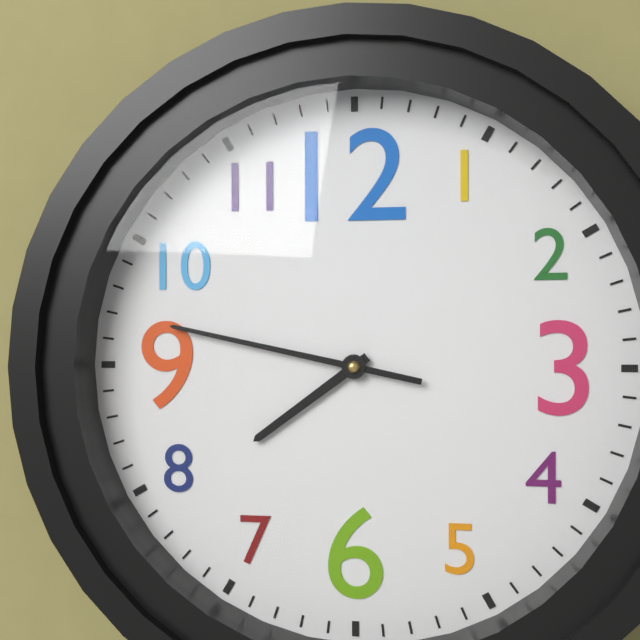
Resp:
7:47
